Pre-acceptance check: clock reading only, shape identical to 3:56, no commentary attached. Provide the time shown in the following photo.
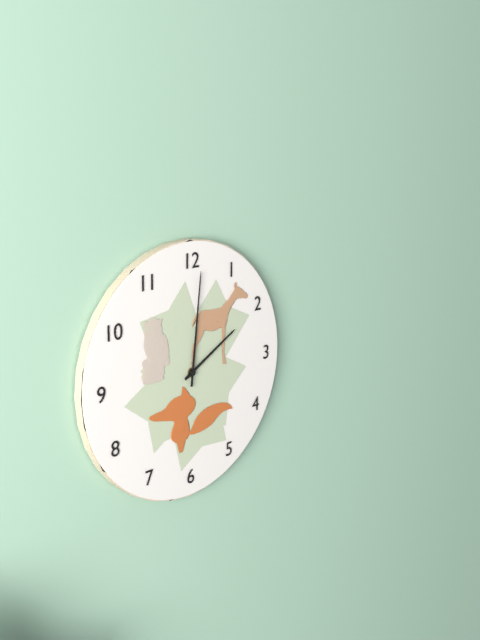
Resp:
2:01
